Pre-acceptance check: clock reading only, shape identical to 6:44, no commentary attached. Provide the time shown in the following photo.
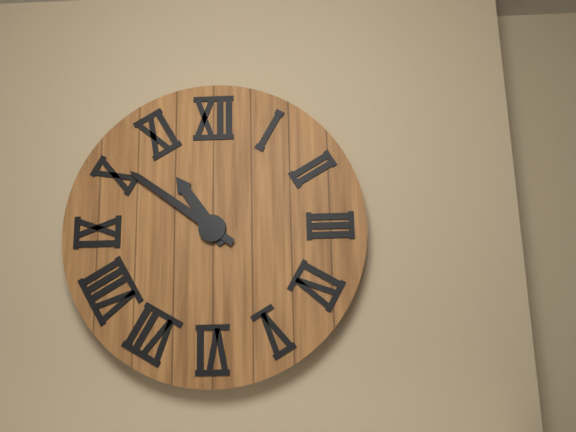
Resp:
10:51
